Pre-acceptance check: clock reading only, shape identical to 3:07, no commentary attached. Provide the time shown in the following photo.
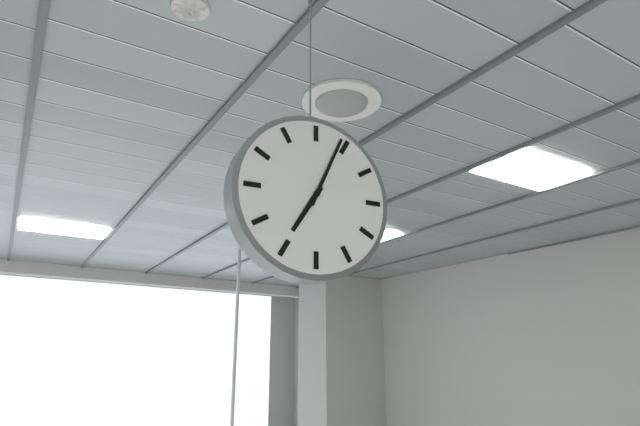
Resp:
7:04
